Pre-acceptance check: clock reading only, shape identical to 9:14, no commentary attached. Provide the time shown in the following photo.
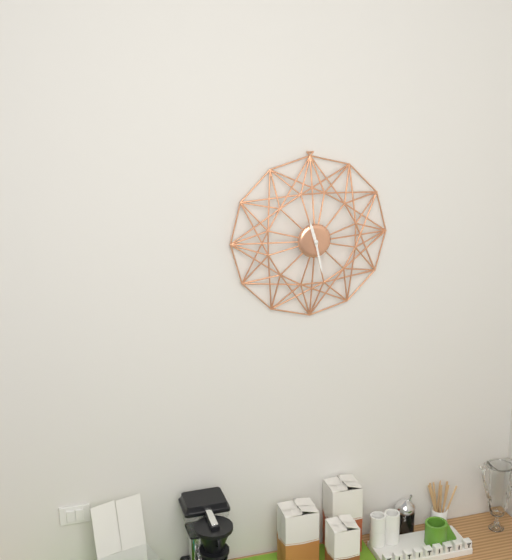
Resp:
11:28
